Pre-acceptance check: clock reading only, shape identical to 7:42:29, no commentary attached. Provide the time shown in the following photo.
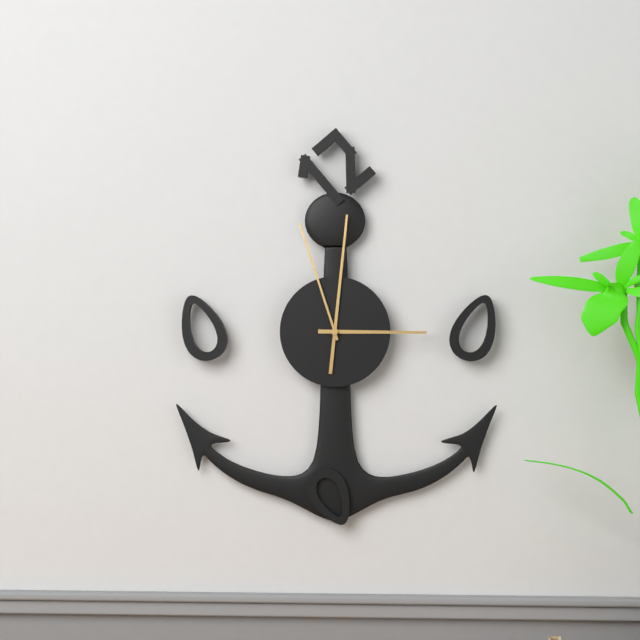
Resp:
3:01:57
